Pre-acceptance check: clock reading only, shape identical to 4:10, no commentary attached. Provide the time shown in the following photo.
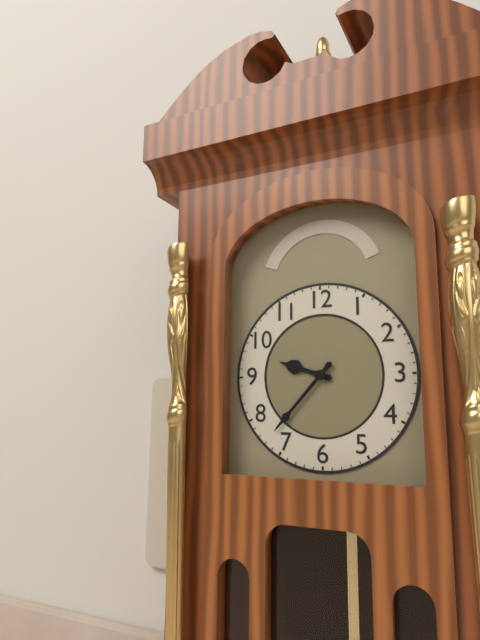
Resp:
9:37
